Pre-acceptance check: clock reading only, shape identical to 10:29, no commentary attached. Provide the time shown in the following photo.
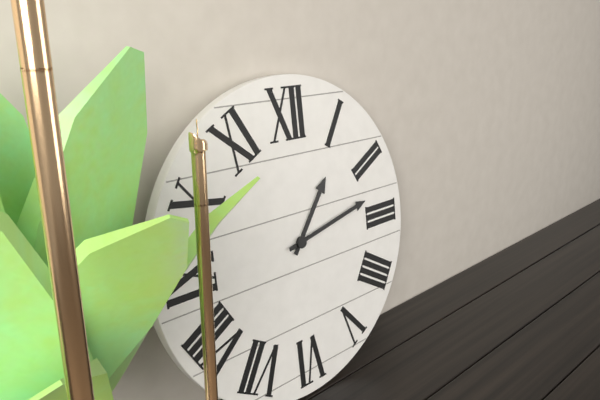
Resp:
1:13
